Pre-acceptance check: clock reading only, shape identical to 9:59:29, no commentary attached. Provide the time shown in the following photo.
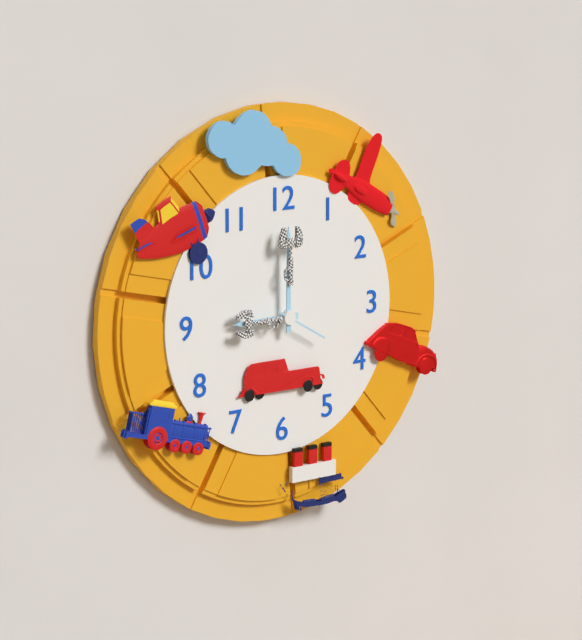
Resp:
9:00:20
